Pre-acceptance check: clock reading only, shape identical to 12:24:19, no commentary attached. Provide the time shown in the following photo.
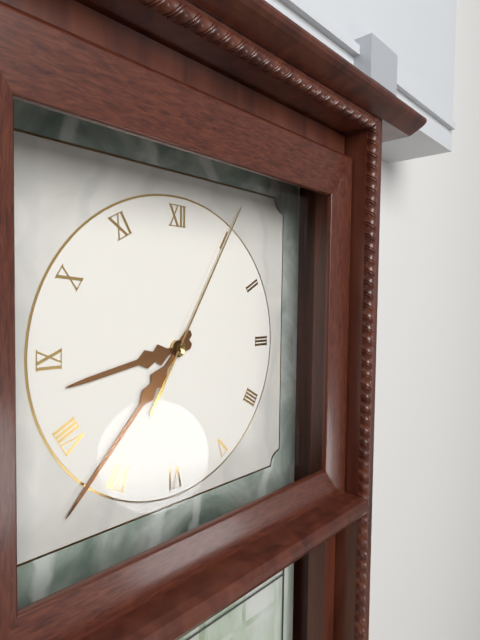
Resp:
8:37:05
